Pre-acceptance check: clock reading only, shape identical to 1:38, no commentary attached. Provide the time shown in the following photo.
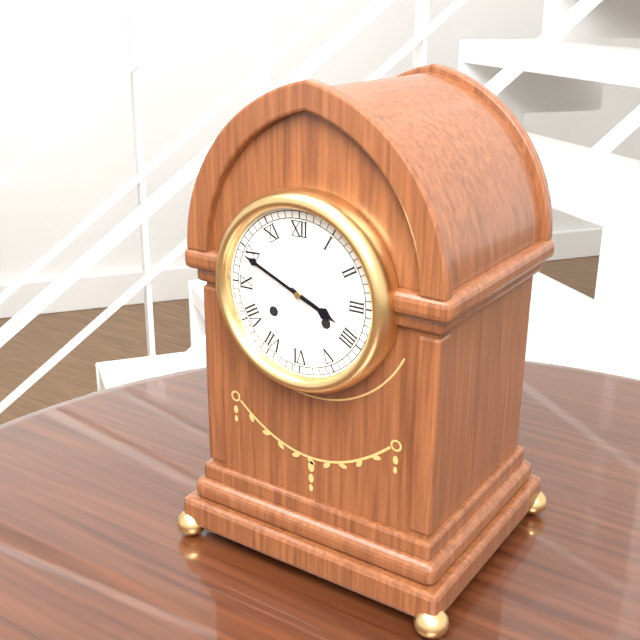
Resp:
3:49
